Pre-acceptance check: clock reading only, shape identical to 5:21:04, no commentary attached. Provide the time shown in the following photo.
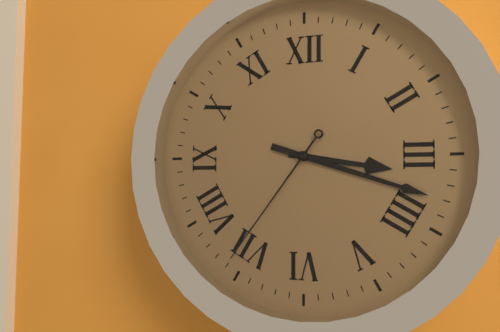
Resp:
3:18:36
